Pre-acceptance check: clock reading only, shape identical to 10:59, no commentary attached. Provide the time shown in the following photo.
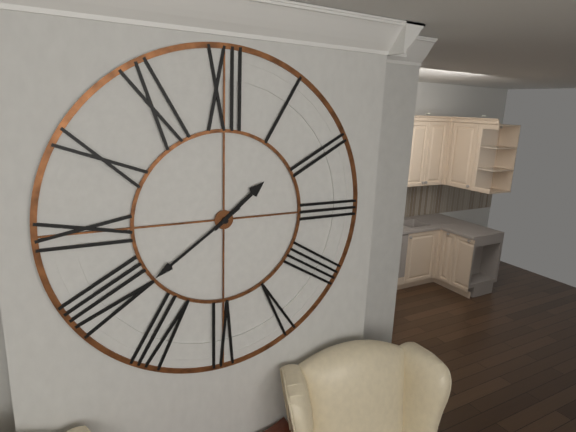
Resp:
1:39
